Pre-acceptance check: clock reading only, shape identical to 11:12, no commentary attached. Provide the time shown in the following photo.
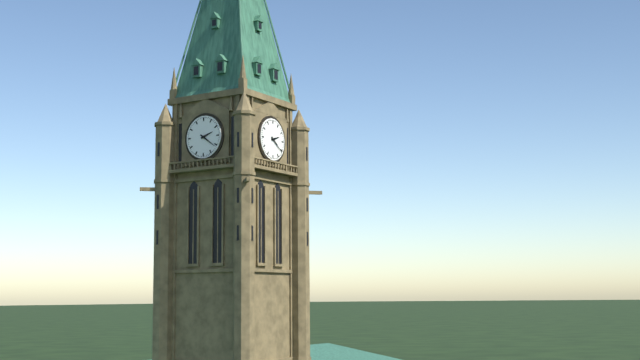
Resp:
2:21
